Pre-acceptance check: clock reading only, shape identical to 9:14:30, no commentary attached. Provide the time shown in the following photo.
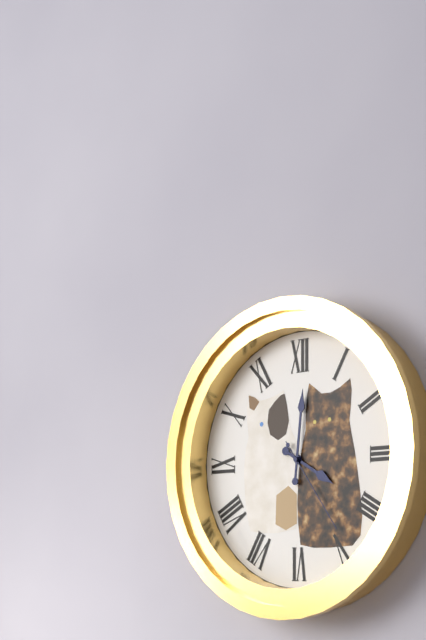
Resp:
4:01:24
